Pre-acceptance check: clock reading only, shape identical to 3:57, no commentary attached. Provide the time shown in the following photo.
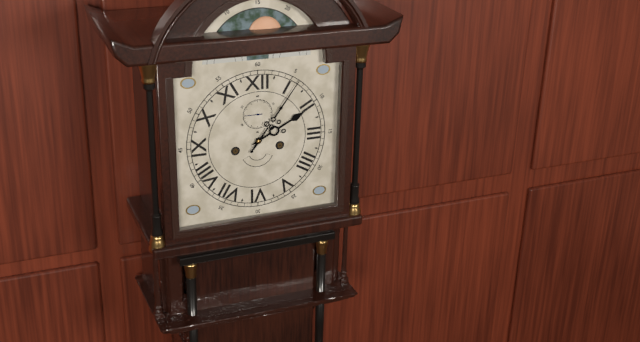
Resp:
2:06
